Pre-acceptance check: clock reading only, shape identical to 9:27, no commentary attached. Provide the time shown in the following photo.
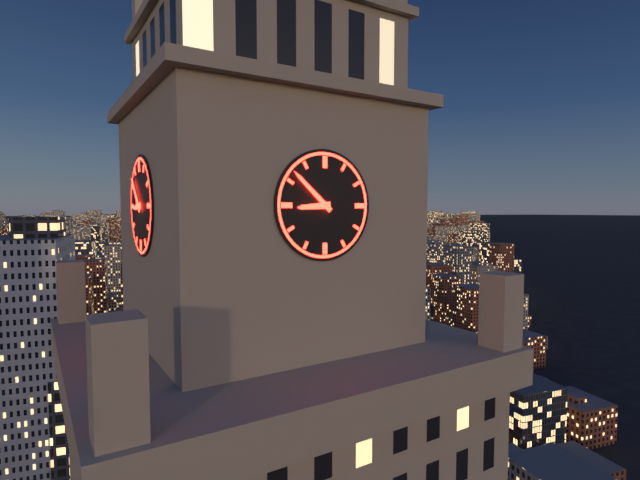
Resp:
8:52
